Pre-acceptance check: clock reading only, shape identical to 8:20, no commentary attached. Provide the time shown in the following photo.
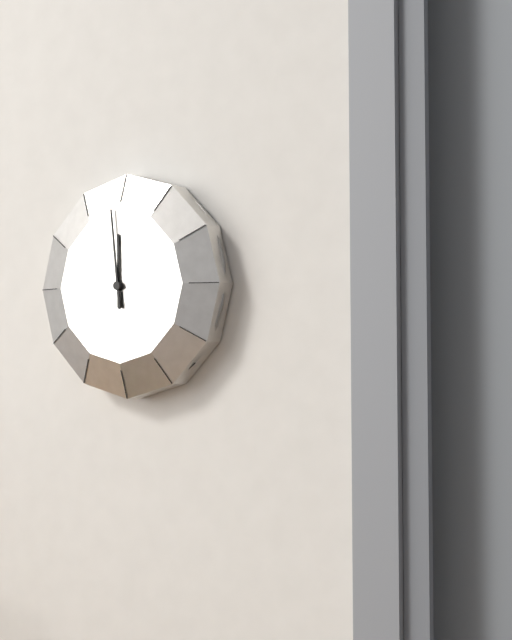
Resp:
11:59
